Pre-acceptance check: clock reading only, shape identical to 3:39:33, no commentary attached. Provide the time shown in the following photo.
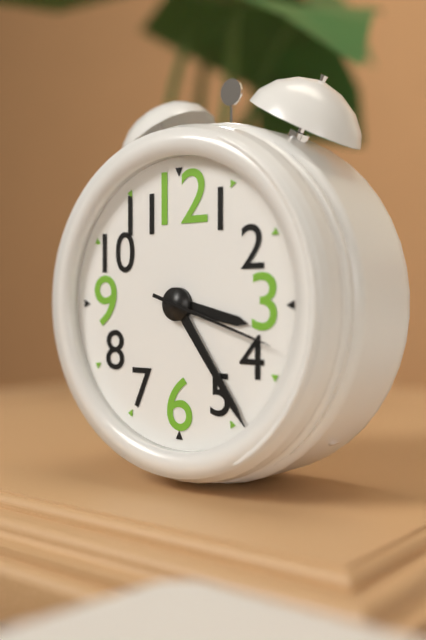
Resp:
3:24:18
